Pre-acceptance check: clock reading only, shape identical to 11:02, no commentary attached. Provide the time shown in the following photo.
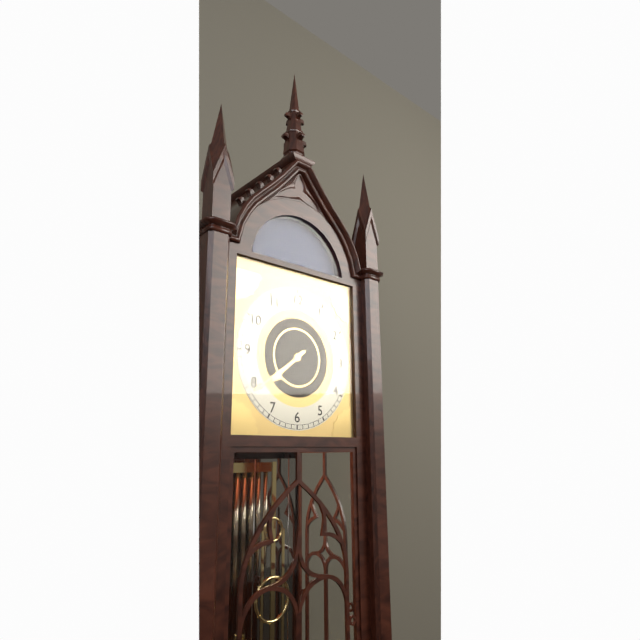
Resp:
7:39
